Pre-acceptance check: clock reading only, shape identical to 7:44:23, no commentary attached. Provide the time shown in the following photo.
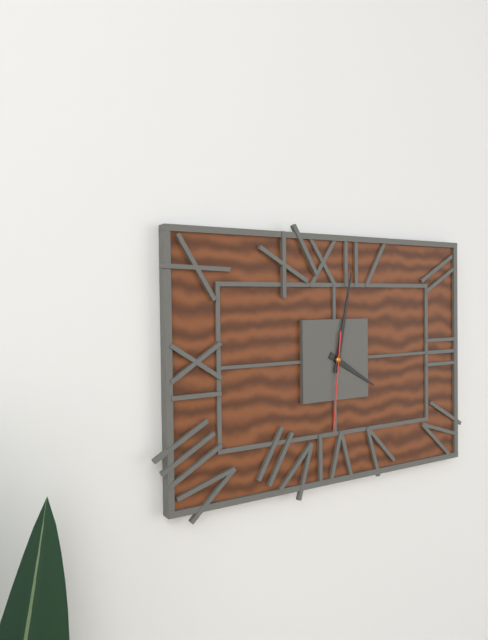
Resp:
4:02:31
